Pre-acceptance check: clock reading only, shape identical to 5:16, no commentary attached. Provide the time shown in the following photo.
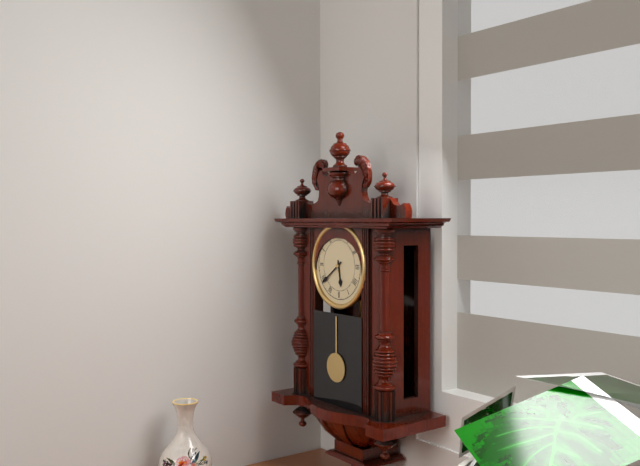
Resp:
5:39
